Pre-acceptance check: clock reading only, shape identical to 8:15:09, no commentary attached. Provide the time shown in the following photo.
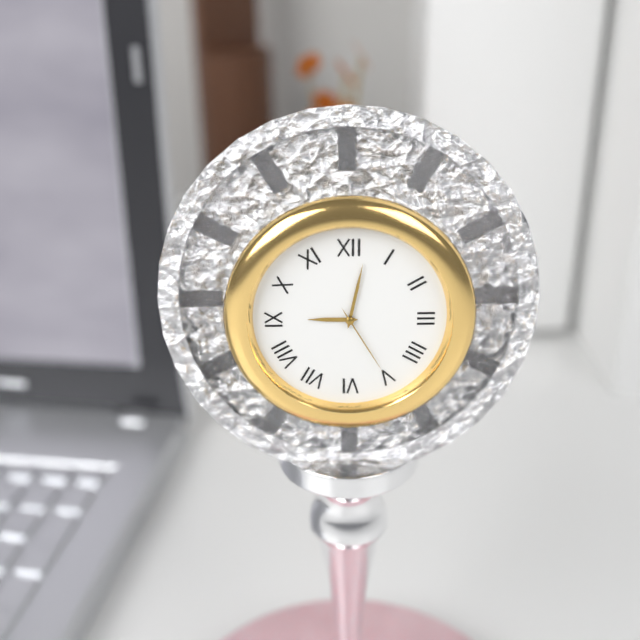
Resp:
9:02:25
